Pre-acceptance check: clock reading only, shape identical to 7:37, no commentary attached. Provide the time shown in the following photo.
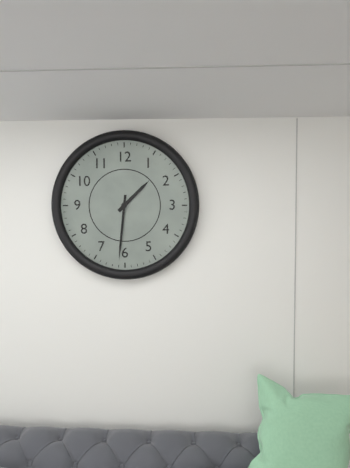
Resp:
1:31
